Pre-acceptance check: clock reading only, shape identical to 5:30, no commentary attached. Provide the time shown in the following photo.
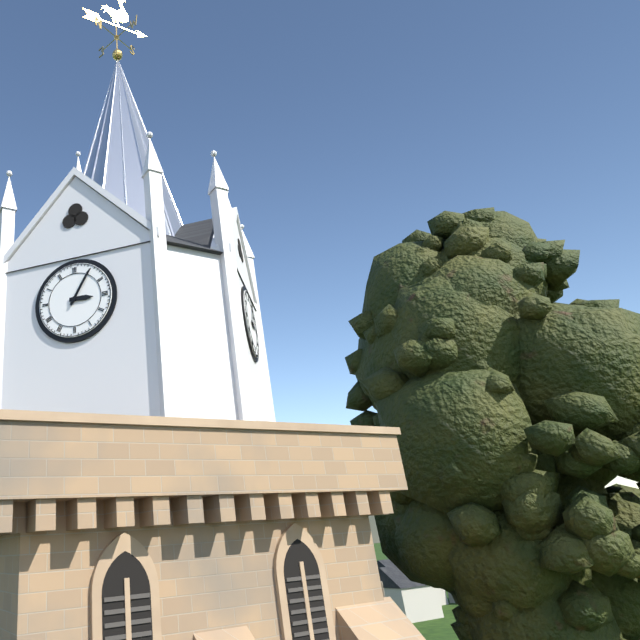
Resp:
3:05
